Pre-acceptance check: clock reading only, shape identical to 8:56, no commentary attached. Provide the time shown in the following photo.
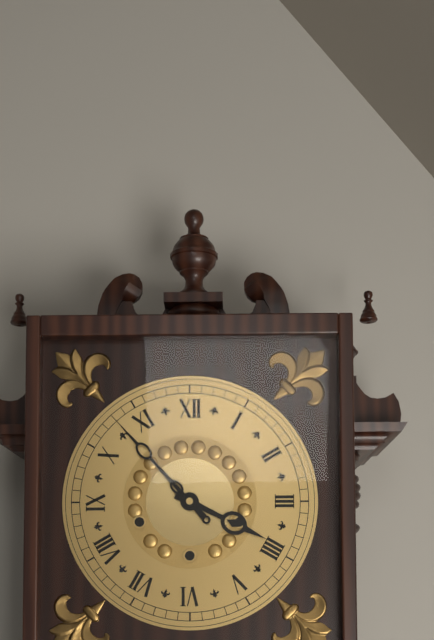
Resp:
3:53
